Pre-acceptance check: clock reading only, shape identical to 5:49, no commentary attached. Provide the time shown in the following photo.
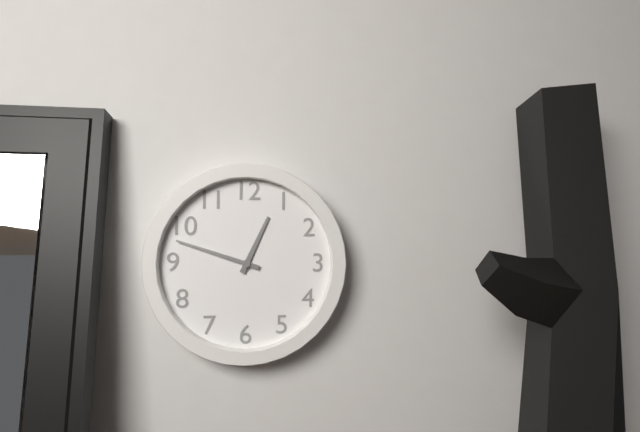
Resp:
12:48
